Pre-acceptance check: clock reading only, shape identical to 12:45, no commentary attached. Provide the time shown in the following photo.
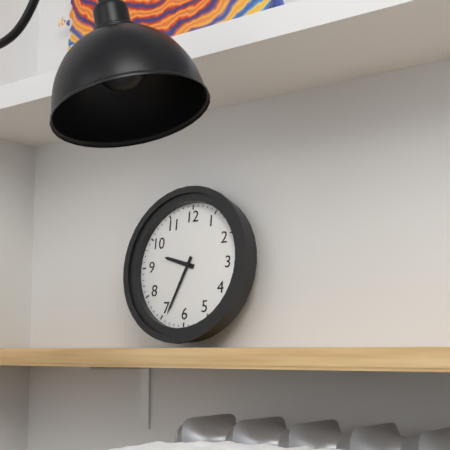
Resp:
9:34
